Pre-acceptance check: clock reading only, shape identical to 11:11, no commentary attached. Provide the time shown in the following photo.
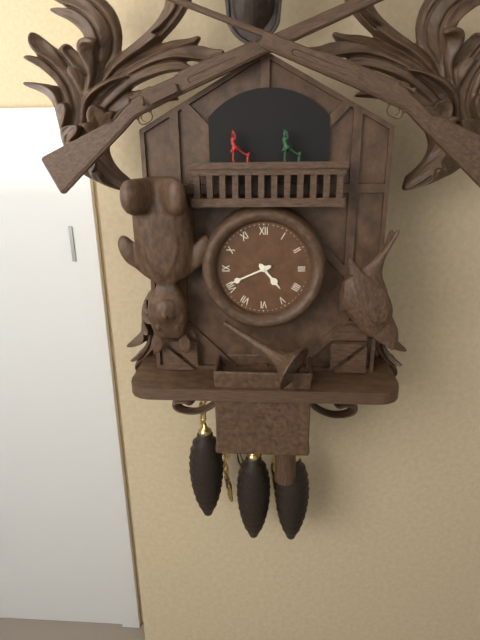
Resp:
4:41
